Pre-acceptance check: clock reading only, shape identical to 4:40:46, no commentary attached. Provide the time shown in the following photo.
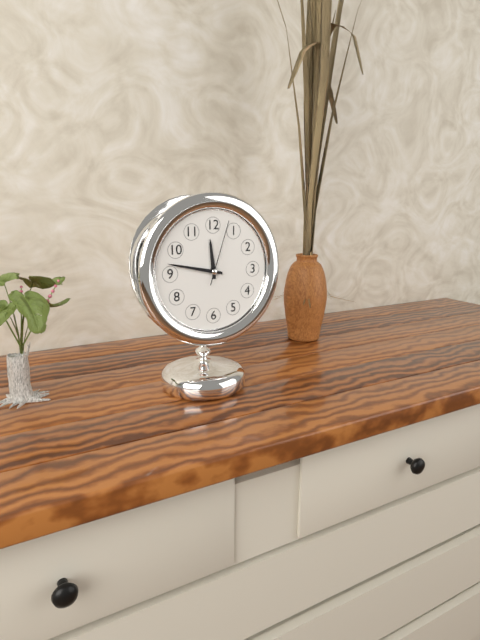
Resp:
11:47:03
